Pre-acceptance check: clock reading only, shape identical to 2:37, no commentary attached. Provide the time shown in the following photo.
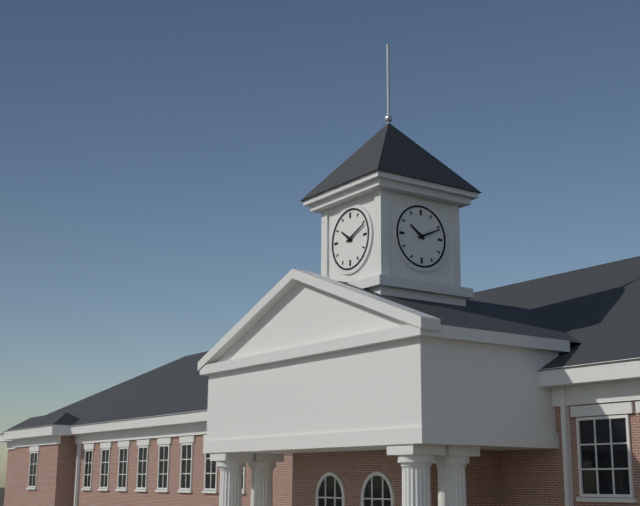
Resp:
10:11
